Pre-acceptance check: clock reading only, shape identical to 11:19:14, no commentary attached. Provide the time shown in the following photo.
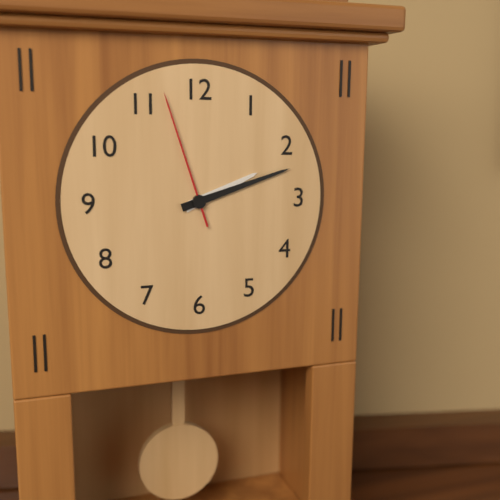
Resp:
2:12:57
